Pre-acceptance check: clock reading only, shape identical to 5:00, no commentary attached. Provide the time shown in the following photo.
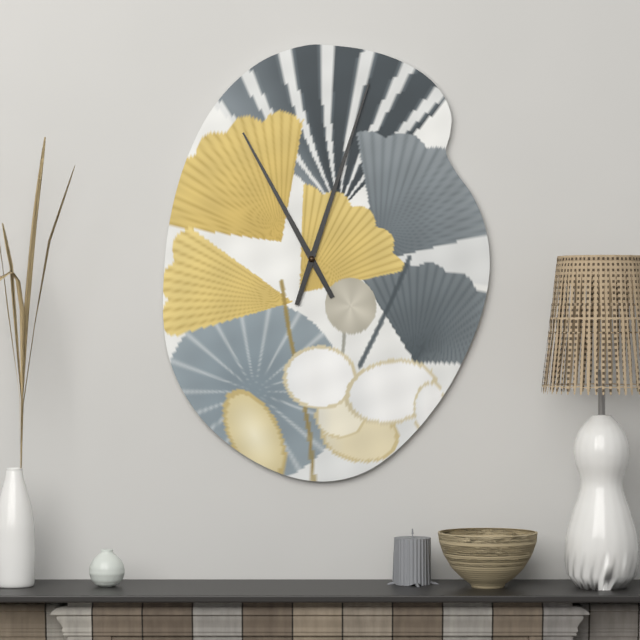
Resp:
11:03
